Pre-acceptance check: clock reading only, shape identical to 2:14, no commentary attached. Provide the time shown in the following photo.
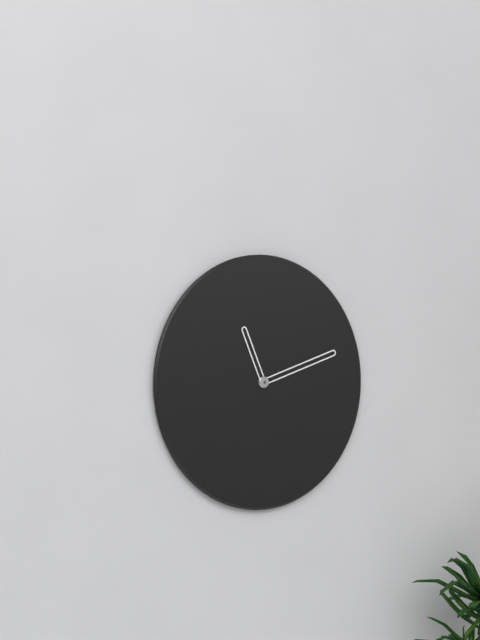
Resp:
11:12
